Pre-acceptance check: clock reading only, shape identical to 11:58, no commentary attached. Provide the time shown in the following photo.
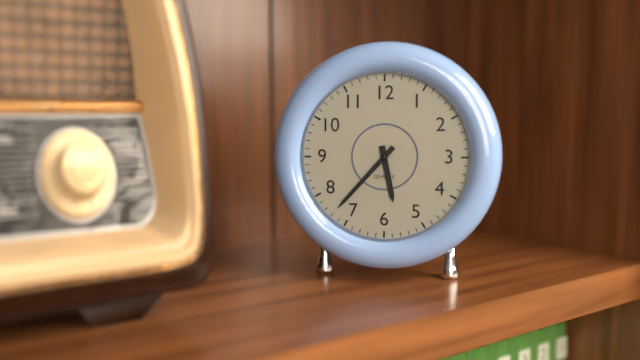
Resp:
5:37
